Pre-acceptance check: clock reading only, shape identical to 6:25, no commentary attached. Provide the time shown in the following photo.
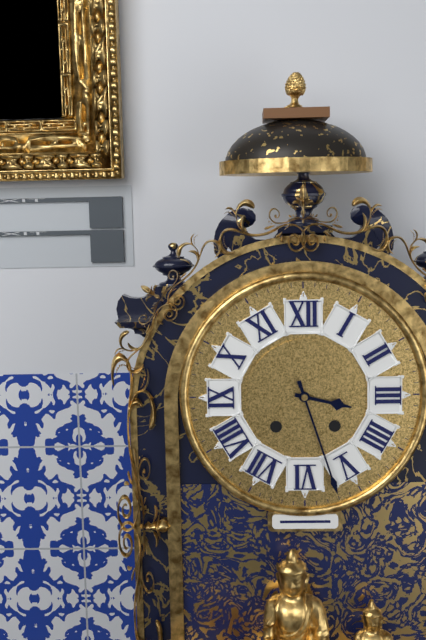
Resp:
3:27
